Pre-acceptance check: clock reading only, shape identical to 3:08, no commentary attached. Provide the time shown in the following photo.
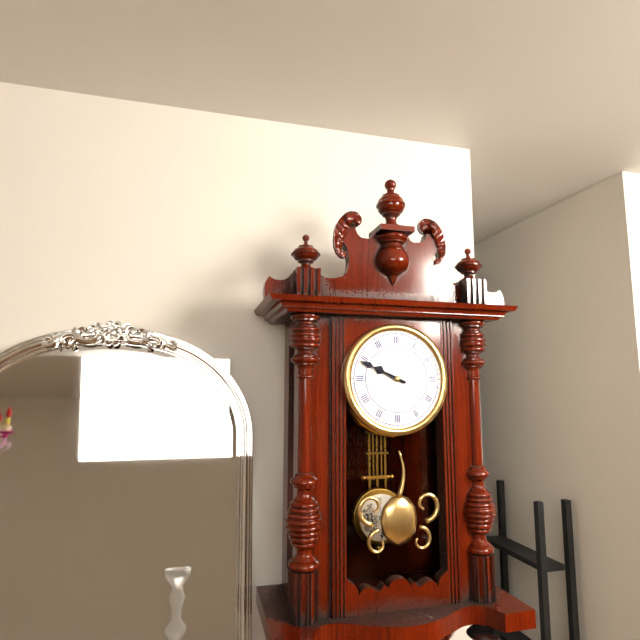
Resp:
9:49
